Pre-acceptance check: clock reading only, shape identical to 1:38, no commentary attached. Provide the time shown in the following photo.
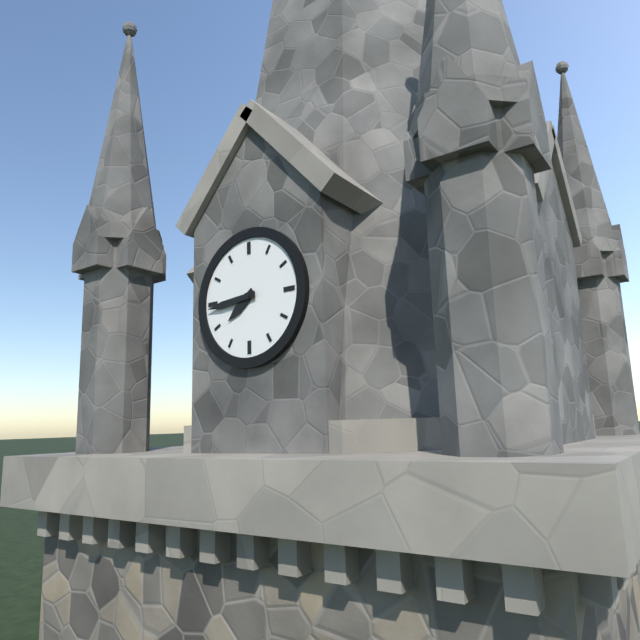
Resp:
7:44
